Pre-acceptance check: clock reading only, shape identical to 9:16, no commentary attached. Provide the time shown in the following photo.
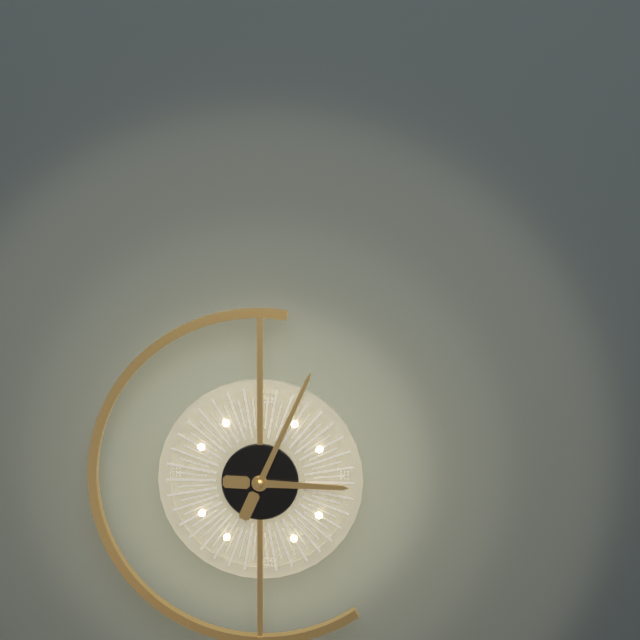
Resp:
3:04
